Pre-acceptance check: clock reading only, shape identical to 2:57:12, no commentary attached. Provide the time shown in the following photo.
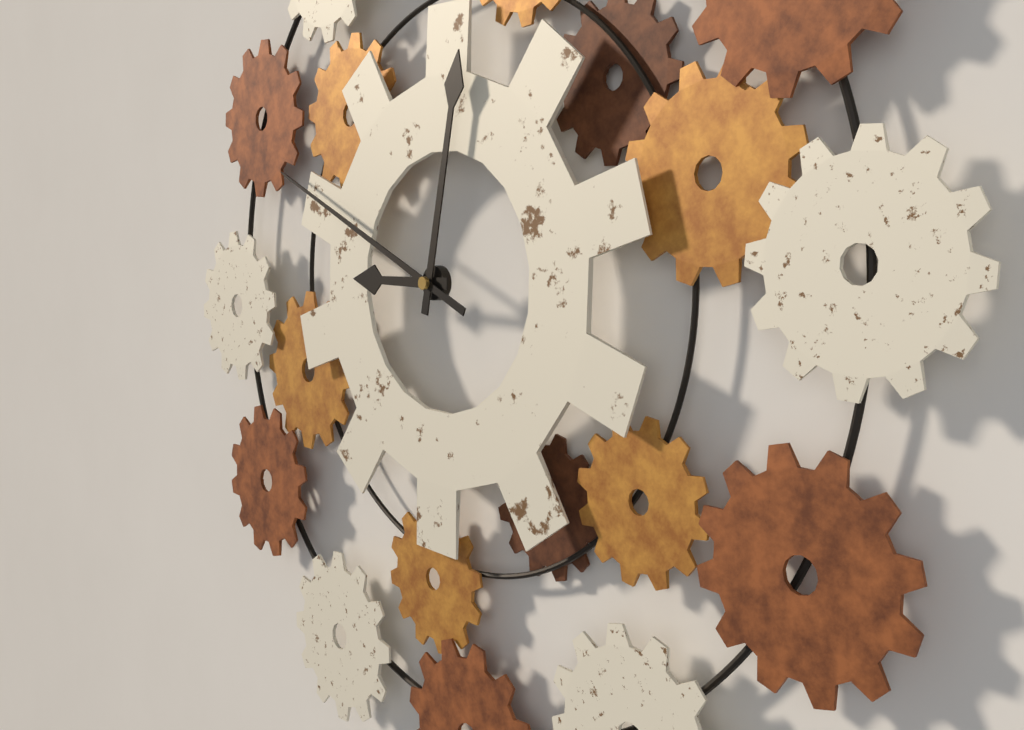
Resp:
9:02:49
